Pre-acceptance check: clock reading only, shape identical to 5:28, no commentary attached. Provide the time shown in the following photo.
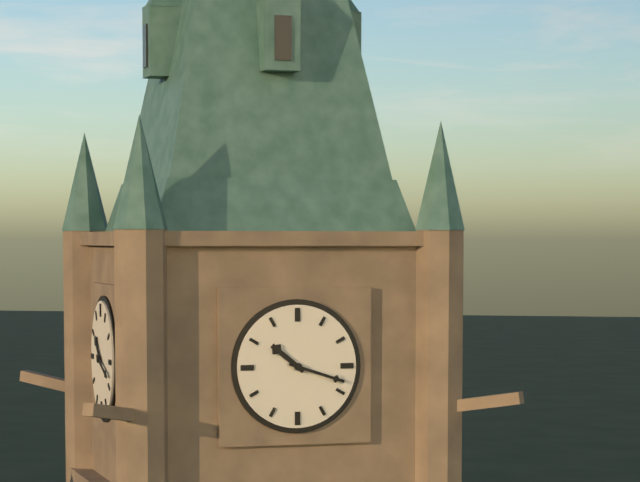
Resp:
10:18
